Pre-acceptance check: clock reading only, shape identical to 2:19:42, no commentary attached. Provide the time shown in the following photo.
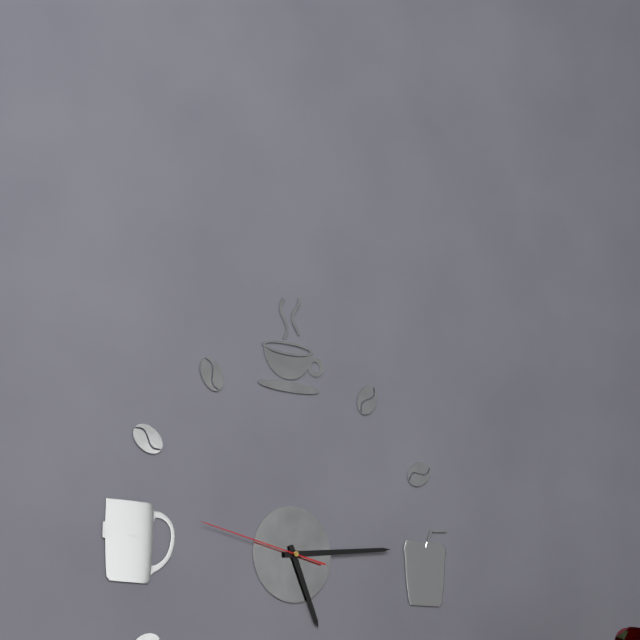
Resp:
5:14:47
